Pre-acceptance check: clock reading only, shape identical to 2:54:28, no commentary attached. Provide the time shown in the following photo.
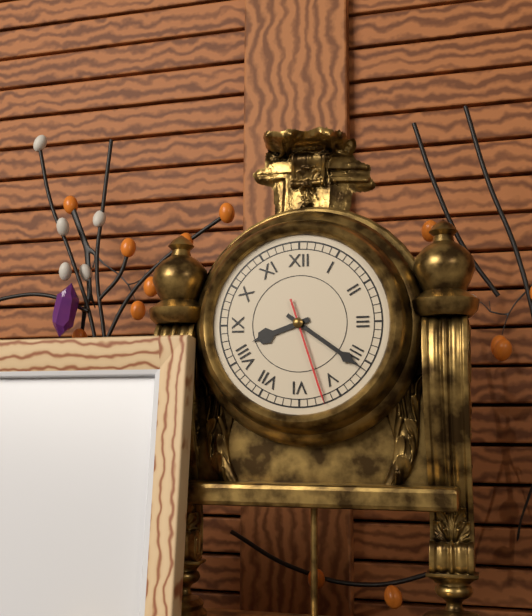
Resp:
8:21:27
